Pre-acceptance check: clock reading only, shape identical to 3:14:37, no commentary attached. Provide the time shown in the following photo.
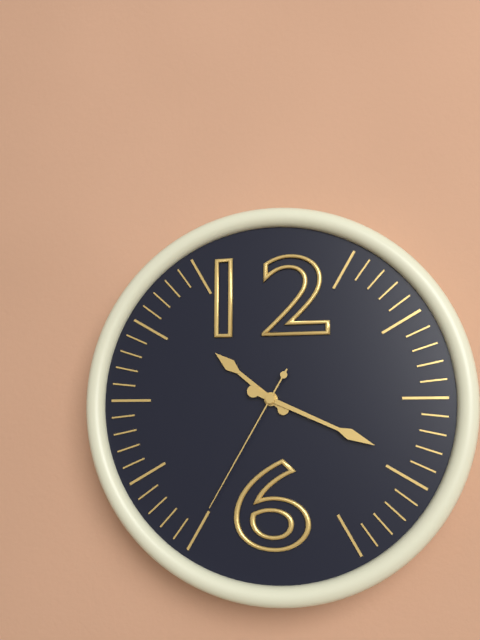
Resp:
10:19:35
